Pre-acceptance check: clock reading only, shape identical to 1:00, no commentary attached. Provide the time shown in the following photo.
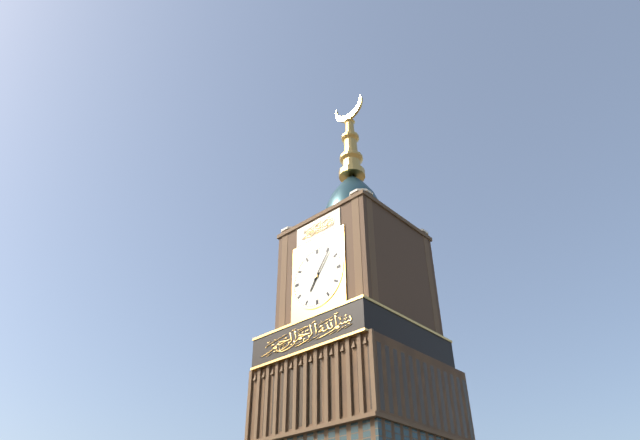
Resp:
7:06
